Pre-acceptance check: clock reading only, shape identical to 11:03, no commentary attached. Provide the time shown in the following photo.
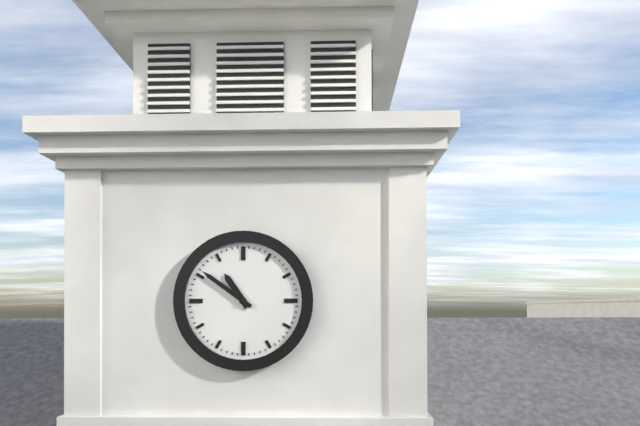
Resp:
10:51
